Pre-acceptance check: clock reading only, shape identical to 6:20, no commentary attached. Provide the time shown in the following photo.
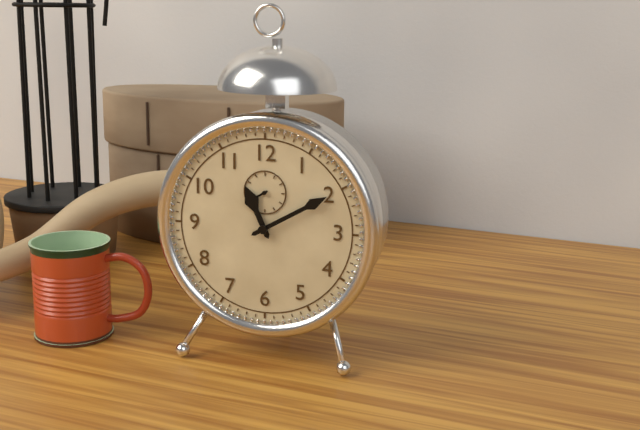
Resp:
11:10
